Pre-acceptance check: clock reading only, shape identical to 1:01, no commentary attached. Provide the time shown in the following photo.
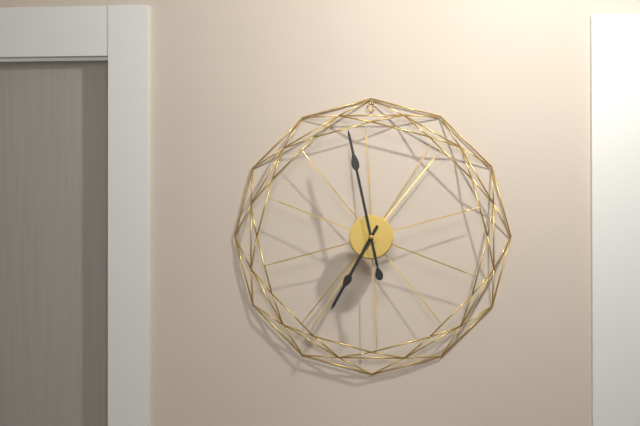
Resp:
6:58
